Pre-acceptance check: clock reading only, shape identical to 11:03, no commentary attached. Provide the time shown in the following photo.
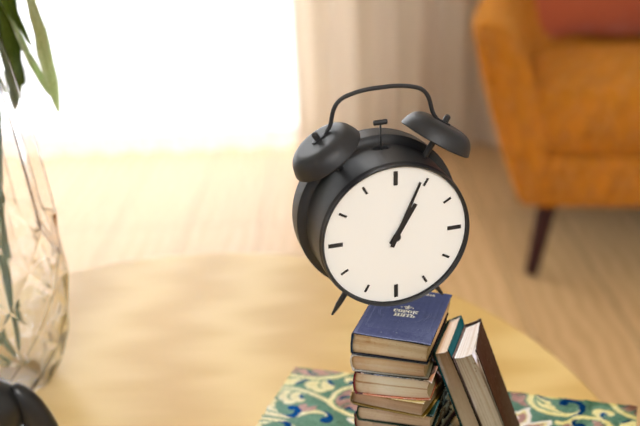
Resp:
1:04
